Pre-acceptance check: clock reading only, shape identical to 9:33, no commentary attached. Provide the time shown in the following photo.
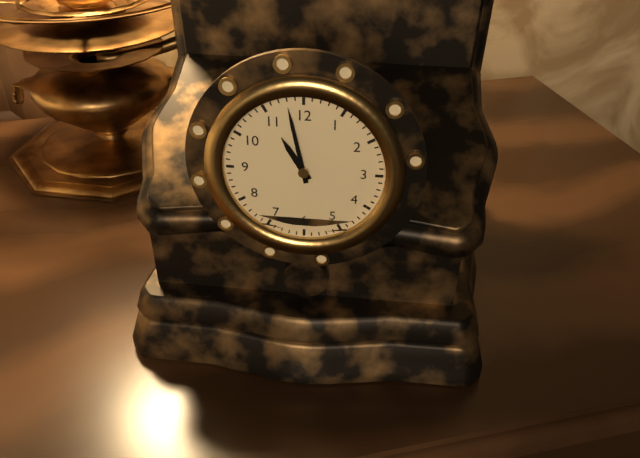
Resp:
10:58
